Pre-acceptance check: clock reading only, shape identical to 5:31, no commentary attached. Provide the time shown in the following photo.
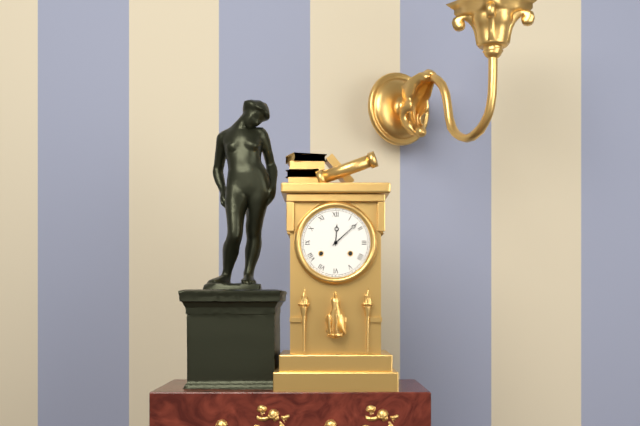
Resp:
12:08
